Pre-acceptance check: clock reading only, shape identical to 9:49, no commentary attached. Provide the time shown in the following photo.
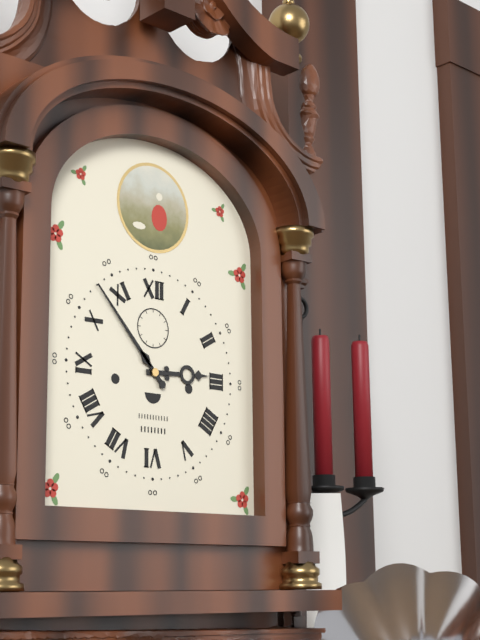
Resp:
2:53
